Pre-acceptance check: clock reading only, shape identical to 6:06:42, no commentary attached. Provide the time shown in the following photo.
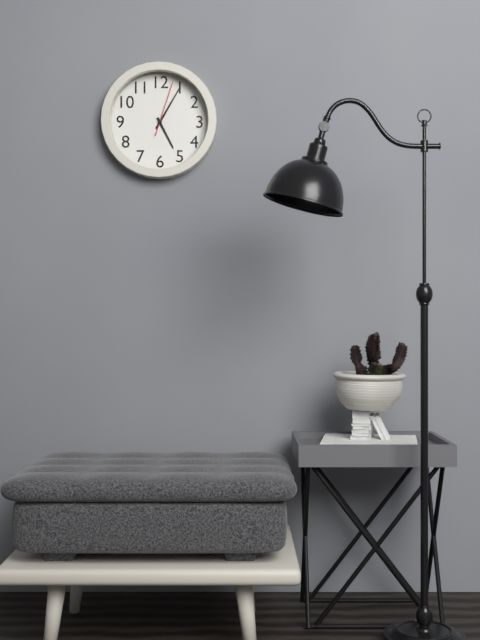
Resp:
5:05:03
